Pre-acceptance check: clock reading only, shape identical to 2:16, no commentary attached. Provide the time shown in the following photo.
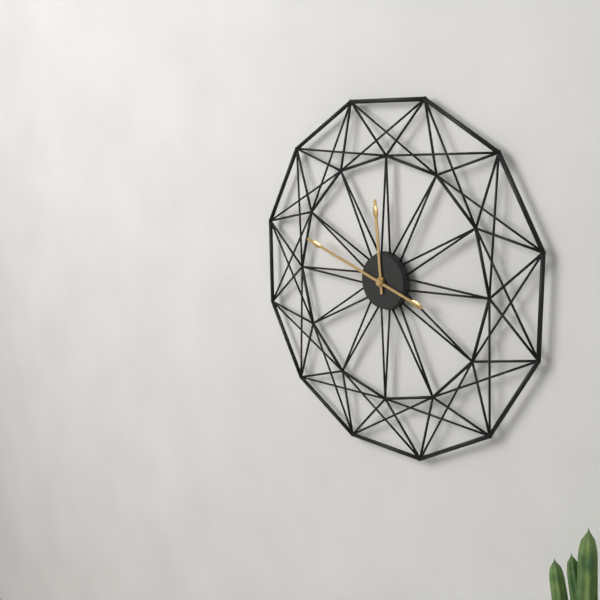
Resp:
11:48
